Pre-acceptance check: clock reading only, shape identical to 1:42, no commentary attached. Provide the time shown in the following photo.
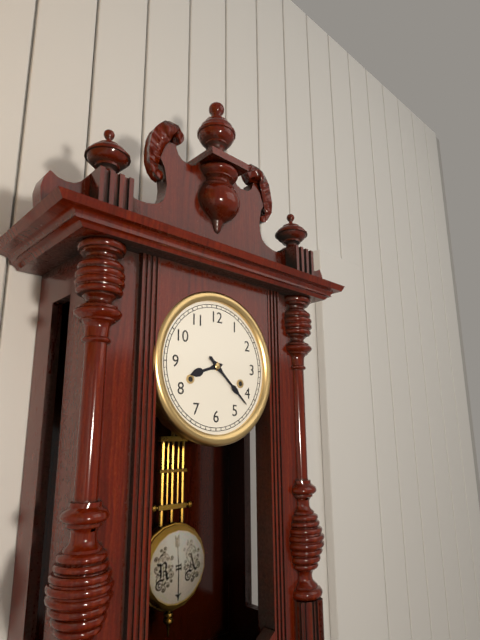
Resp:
8:22
